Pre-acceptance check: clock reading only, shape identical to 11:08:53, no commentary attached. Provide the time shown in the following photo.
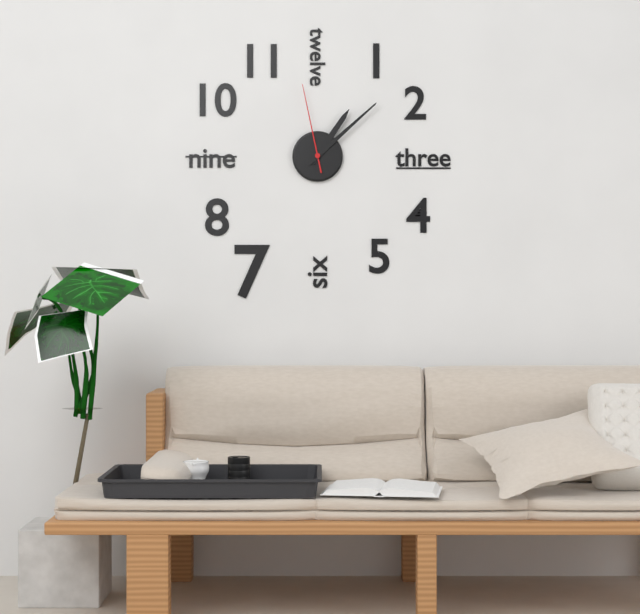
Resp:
1:08:58
